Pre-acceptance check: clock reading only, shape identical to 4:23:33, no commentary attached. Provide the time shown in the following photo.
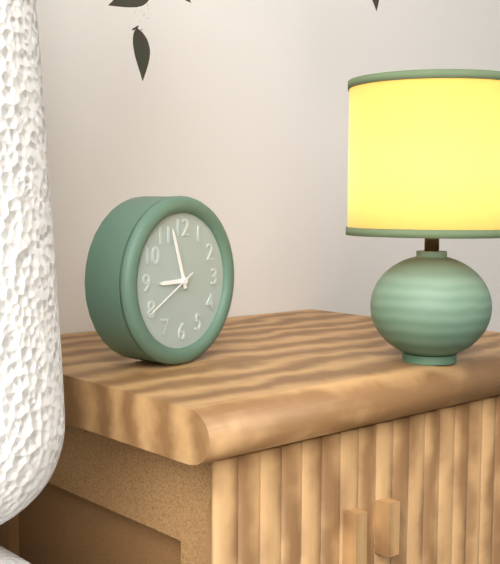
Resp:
8:57:40
